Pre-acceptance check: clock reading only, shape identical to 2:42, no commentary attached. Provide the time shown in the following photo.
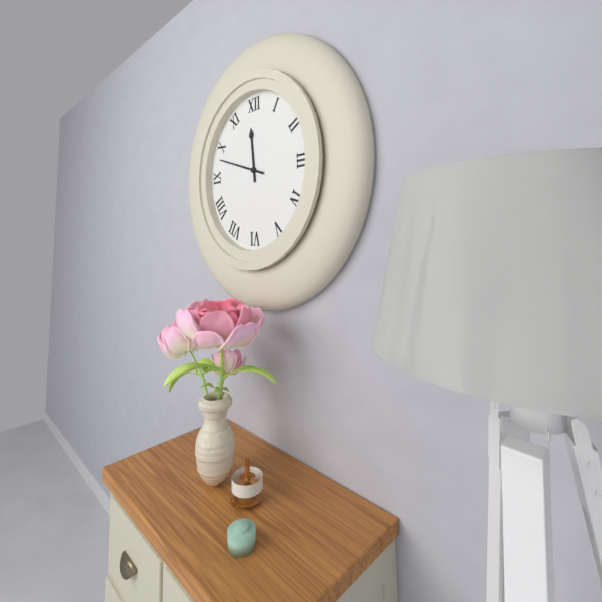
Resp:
11:48
